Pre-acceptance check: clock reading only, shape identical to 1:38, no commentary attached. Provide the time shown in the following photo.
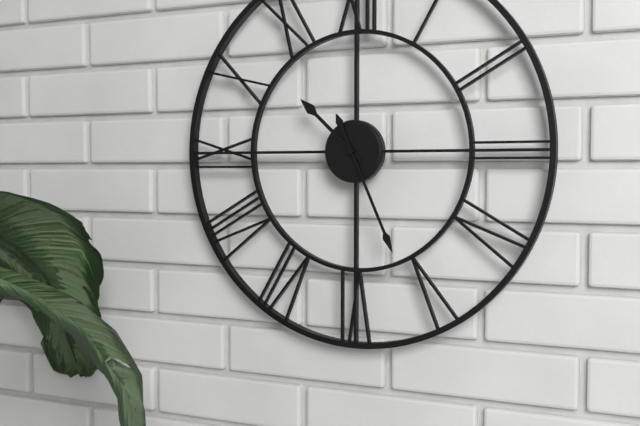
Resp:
10:26
